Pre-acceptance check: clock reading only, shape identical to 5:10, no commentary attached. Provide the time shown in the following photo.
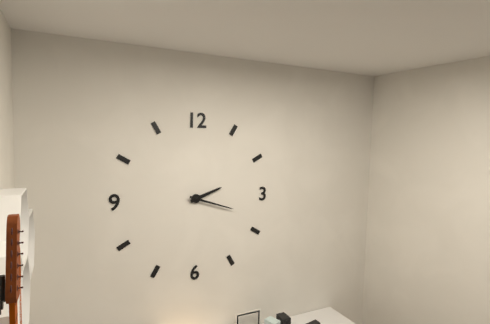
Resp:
2:18
